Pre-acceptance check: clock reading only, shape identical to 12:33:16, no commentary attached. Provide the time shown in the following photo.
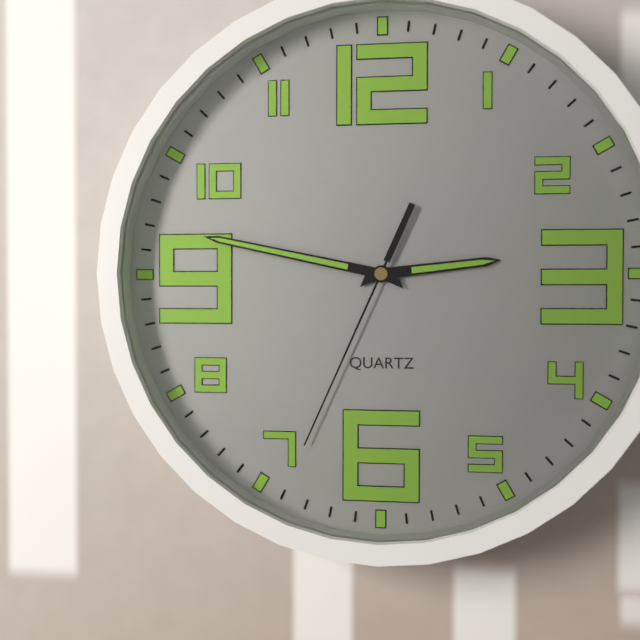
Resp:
2:47:34
